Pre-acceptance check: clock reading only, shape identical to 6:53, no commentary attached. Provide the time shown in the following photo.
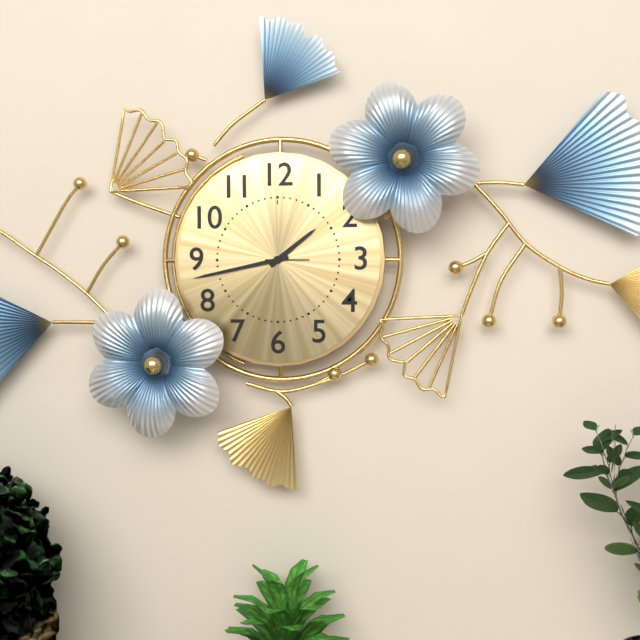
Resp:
1:43
